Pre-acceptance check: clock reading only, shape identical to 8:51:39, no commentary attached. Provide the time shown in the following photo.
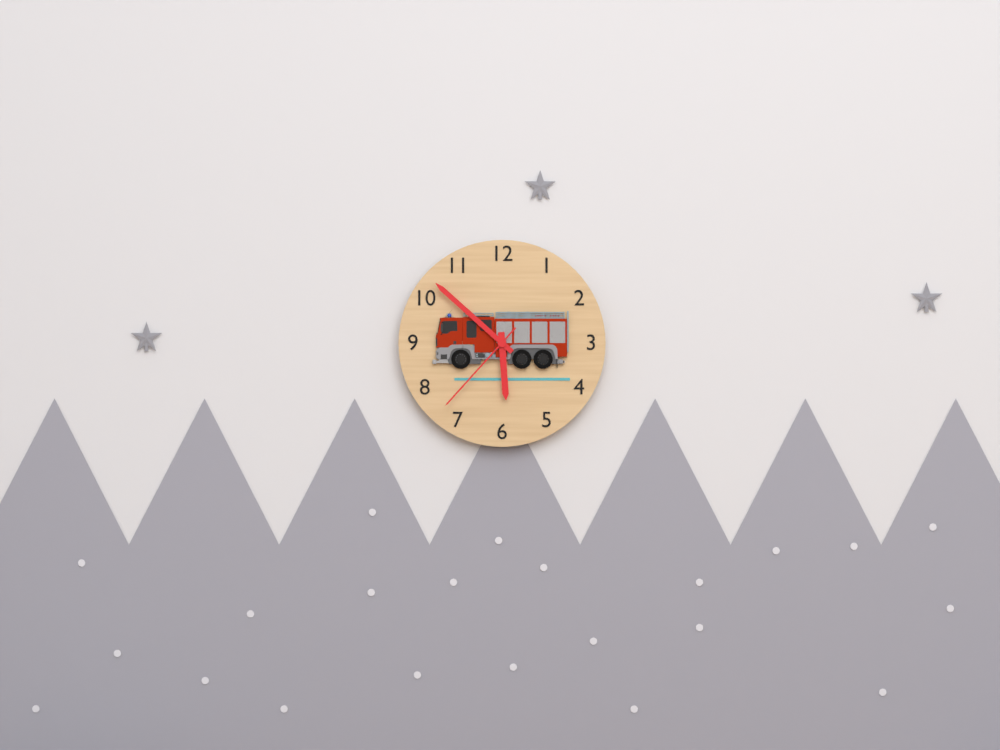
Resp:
5:52:37
